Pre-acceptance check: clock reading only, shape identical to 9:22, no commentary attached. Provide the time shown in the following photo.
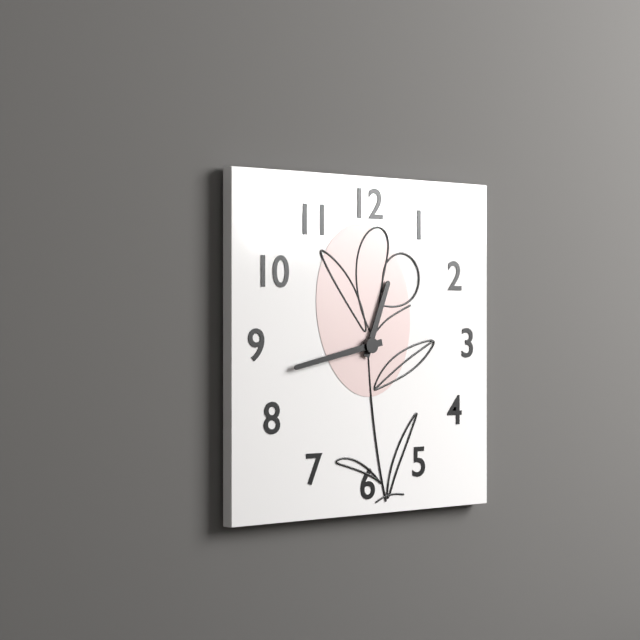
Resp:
12:43
